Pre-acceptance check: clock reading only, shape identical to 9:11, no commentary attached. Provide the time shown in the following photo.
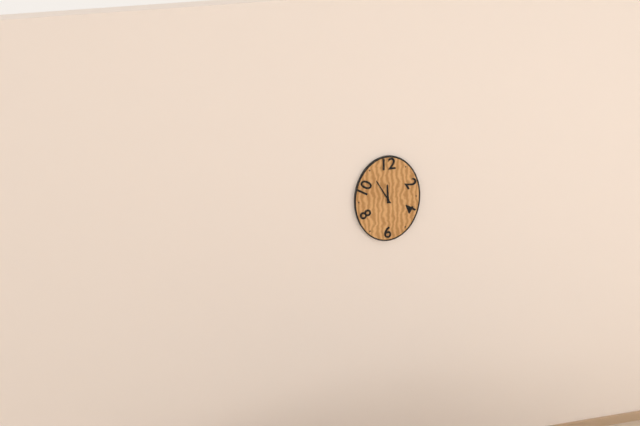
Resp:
11:55
